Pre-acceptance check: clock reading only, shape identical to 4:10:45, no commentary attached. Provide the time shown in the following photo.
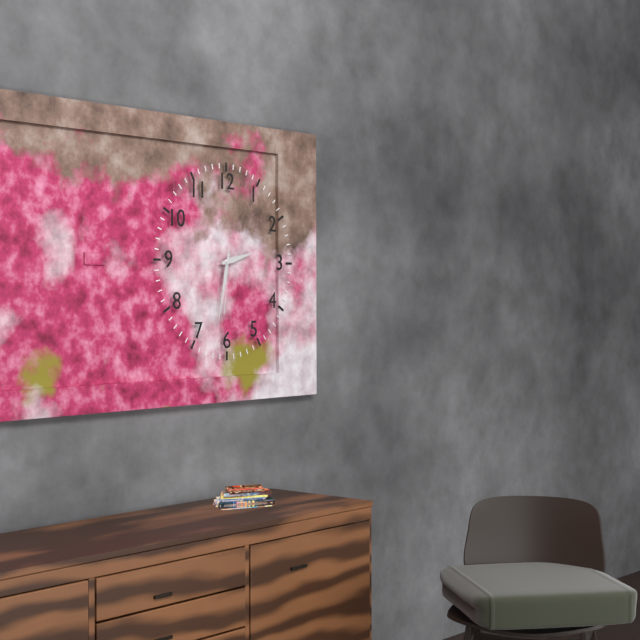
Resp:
2:32:31
